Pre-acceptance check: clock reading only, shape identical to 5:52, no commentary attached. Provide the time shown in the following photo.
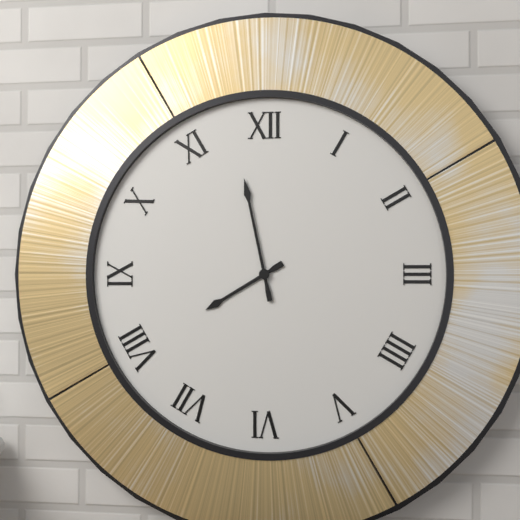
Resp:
7:58
